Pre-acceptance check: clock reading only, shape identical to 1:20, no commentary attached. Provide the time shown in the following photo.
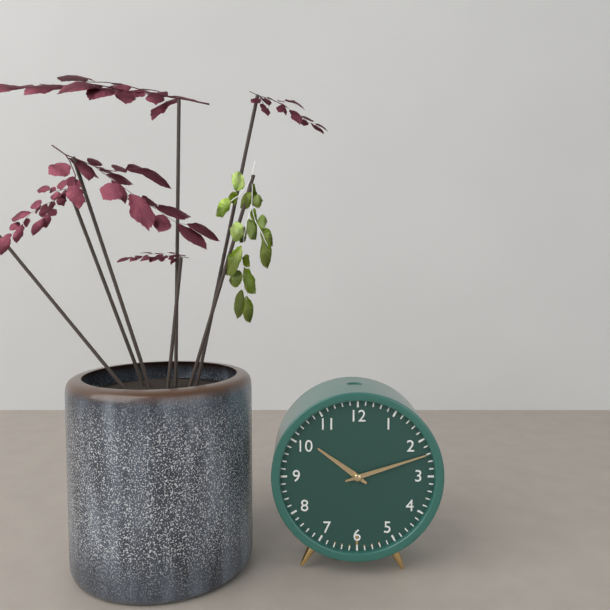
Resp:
10:12
